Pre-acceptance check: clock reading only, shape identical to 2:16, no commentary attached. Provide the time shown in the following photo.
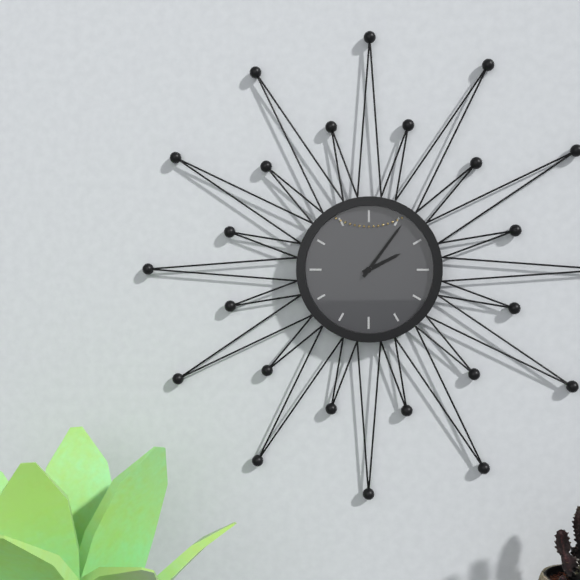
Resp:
2:06
